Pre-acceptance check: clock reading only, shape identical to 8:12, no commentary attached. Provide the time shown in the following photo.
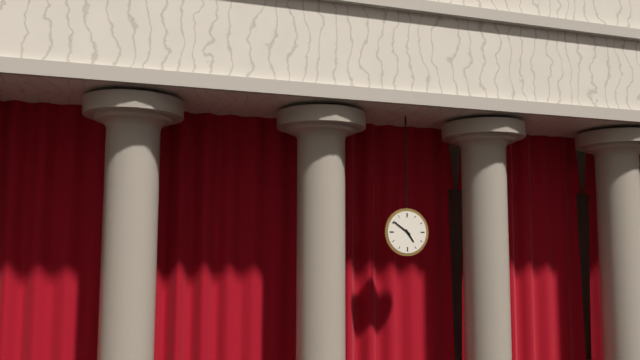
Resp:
4:51
